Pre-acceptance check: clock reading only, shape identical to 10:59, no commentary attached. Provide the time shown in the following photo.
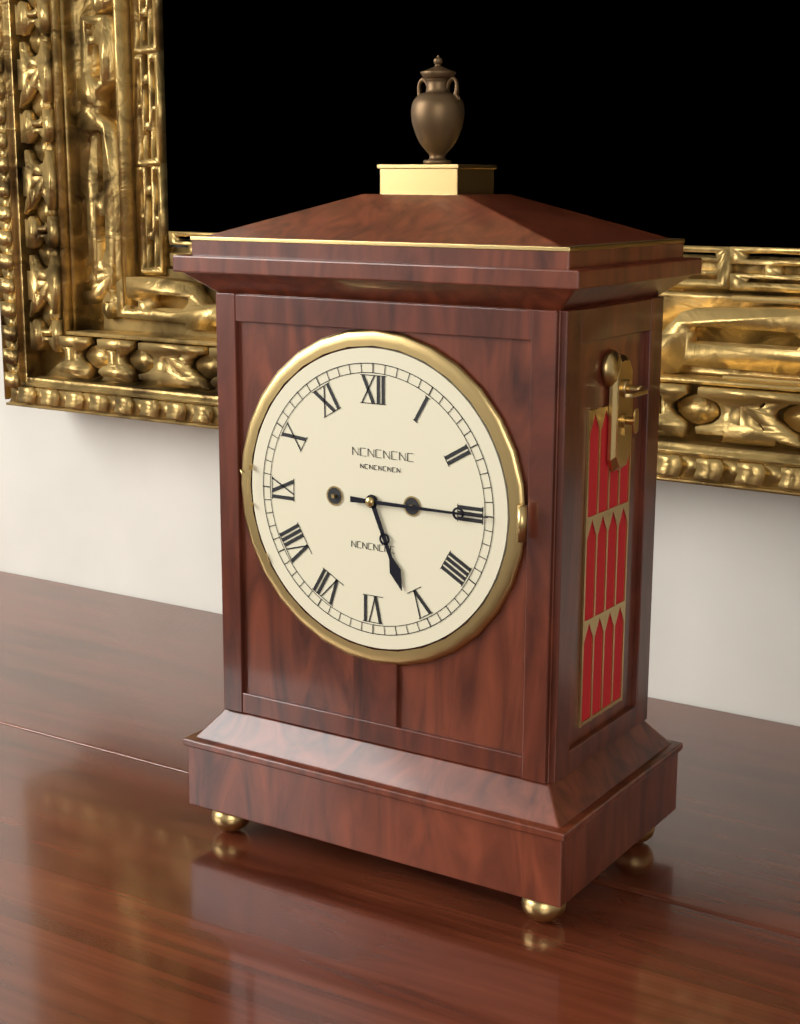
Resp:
5:15
